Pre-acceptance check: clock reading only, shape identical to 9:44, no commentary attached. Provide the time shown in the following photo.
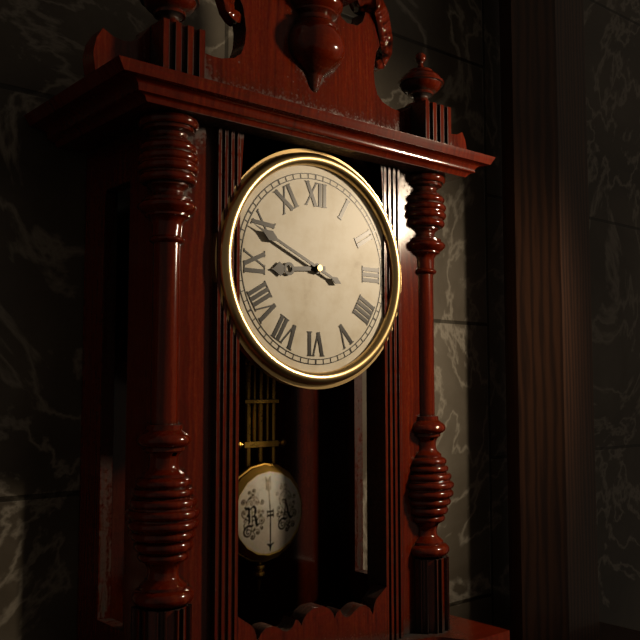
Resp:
8:49
